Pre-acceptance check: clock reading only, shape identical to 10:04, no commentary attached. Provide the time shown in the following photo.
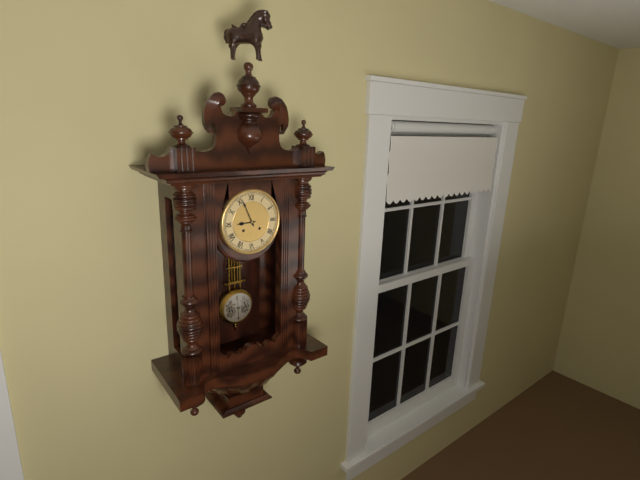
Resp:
8:56
